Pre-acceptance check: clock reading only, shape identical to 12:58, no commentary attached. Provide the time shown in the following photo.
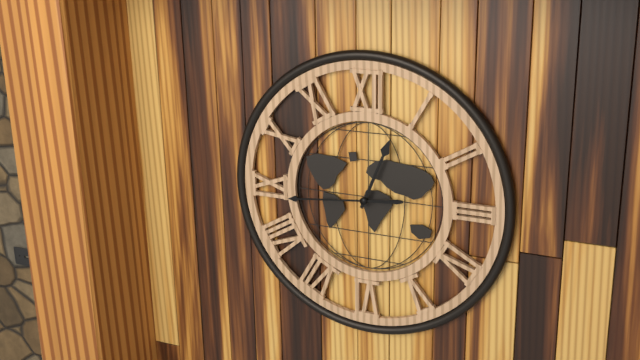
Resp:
12:44
